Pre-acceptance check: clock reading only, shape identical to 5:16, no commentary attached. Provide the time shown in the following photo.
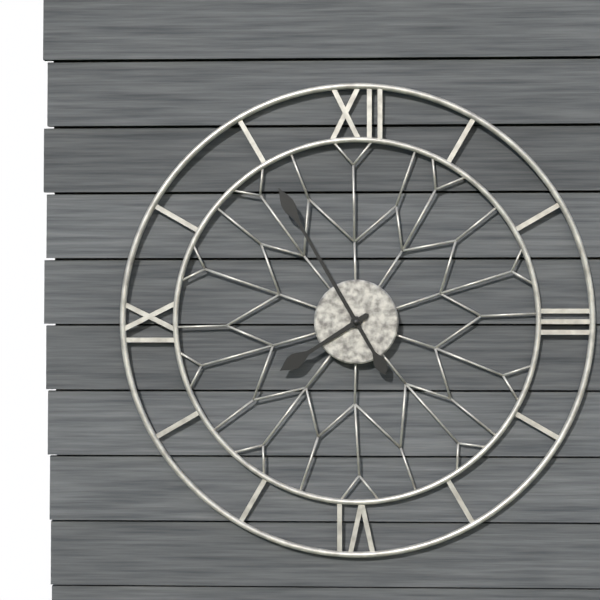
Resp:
7:55
